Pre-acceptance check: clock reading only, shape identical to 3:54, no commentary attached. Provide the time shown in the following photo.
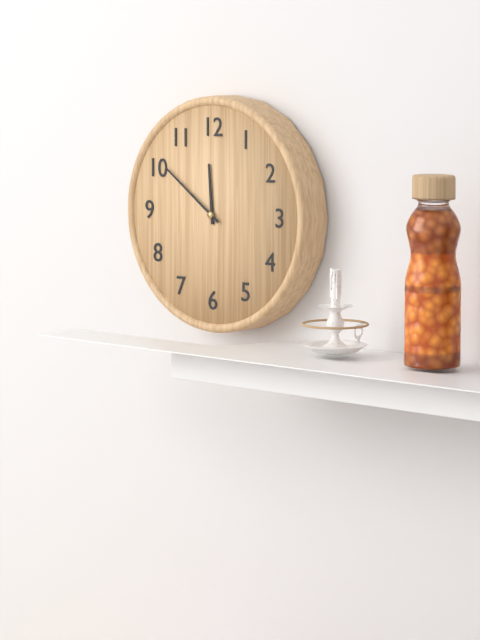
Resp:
11:51
